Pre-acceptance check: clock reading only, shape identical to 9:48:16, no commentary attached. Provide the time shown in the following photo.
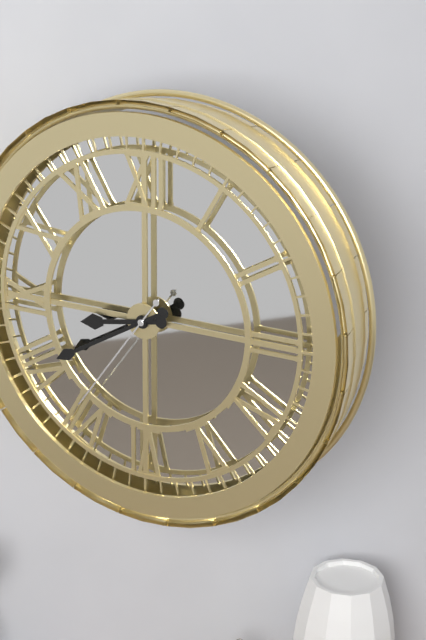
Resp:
8:40:36
